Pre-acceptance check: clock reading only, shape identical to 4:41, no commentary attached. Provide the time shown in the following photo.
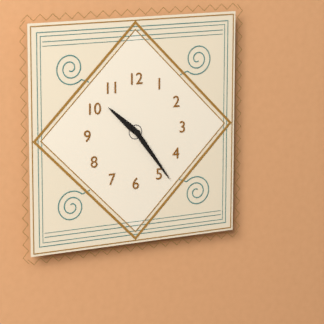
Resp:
10:24
